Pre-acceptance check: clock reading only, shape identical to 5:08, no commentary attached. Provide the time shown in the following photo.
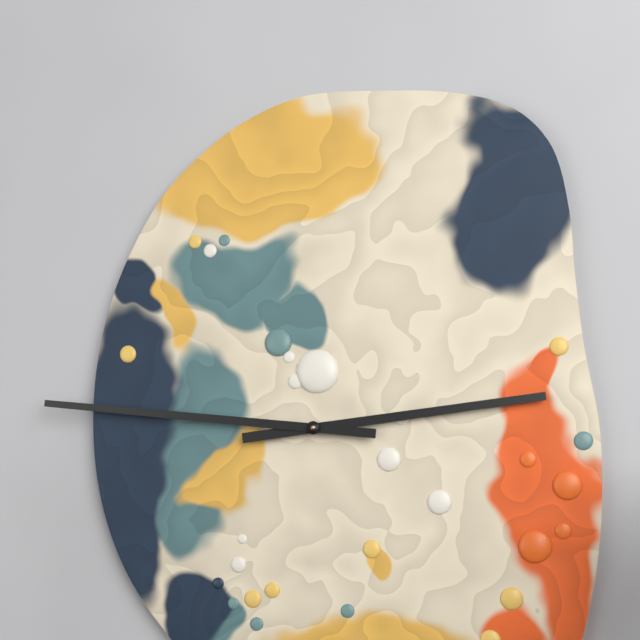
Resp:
2:46
